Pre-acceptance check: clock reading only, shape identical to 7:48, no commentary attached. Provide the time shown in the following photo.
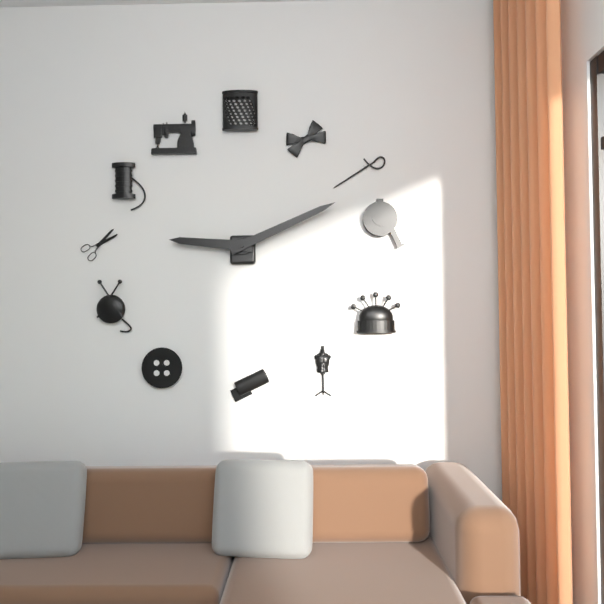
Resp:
9:11
